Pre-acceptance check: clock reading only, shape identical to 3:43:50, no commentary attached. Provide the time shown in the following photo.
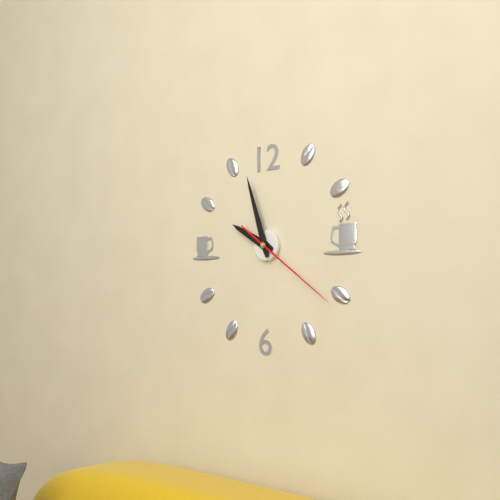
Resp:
9:57:21
